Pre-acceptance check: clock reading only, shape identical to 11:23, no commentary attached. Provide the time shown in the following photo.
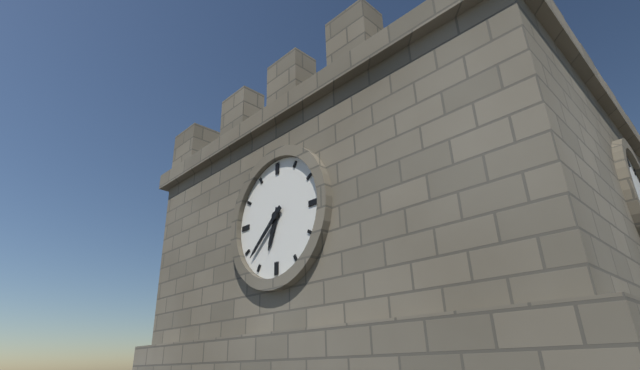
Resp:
6:38
